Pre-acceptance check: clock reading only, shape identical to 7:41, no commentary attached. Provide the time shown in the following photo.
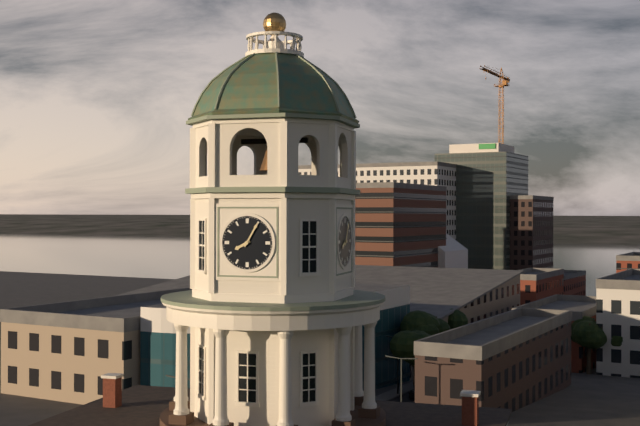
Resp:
8:05
